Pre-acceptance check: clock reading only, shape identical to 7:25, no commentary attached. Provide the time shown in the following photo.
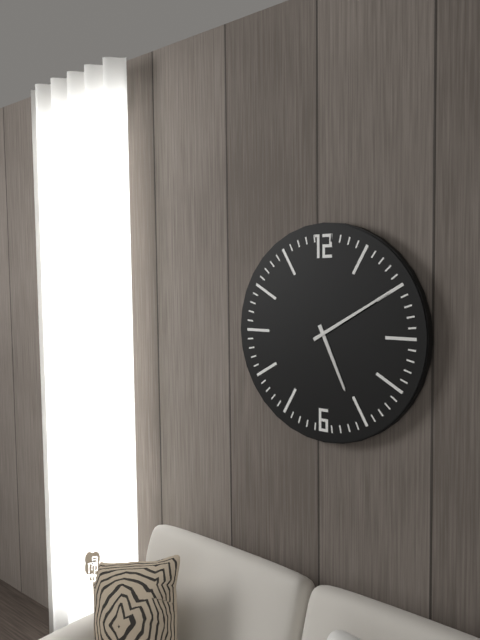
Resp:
5:10
